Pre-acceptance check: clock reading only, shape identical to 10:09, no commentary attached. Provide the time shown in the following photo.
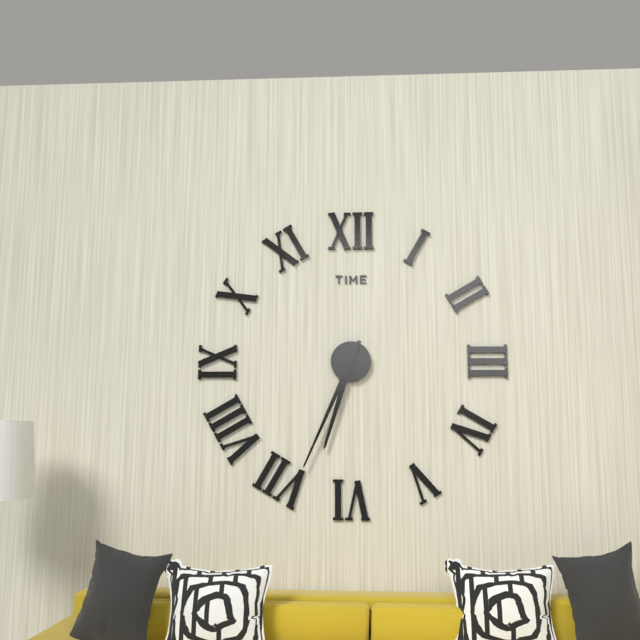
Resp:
6:34
